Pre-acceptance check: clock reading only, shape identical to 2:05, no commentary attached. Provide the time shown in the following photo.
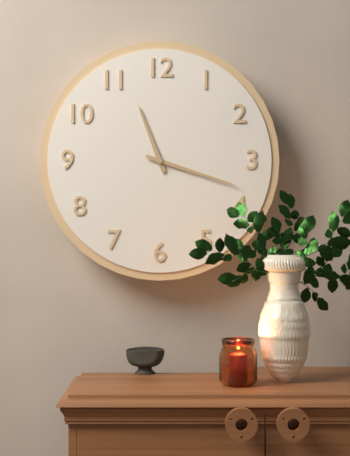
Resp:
11:18
